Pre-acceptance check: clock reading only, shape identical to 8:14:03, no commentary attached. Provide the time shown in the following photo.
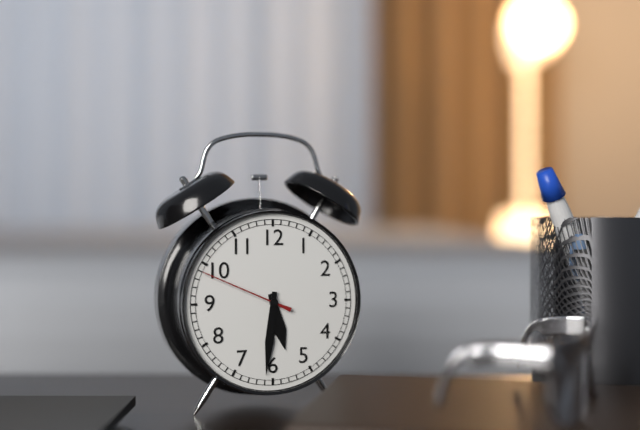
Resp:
5:31:49
